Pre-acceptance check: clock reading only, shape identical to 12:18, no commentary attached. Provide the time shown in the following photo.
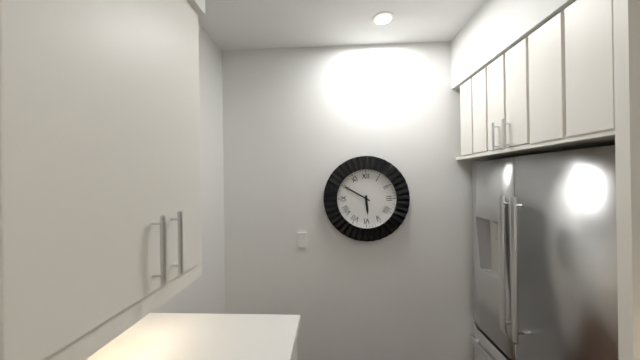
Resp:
5:50
